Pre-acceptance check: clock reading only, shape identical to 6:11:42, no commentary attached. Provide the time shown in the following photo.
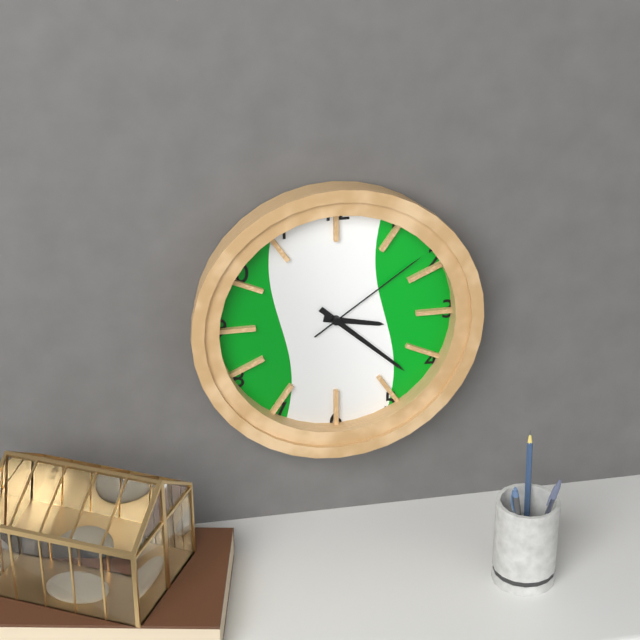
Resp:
3:22:09
